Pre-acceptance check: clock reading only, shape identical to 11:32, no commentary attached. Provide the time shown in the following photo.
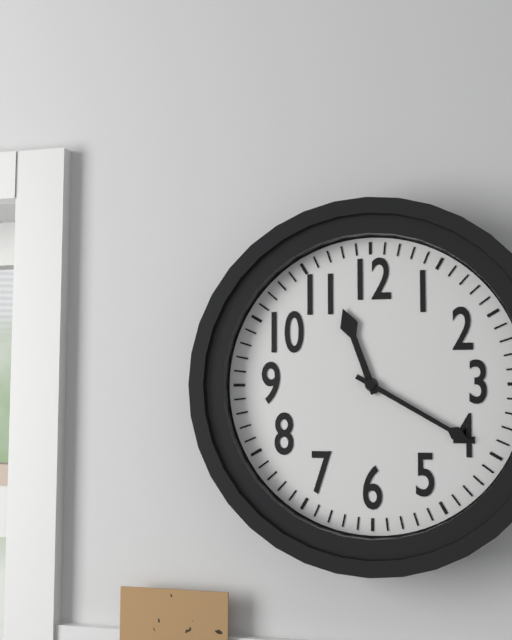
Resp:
11:20
